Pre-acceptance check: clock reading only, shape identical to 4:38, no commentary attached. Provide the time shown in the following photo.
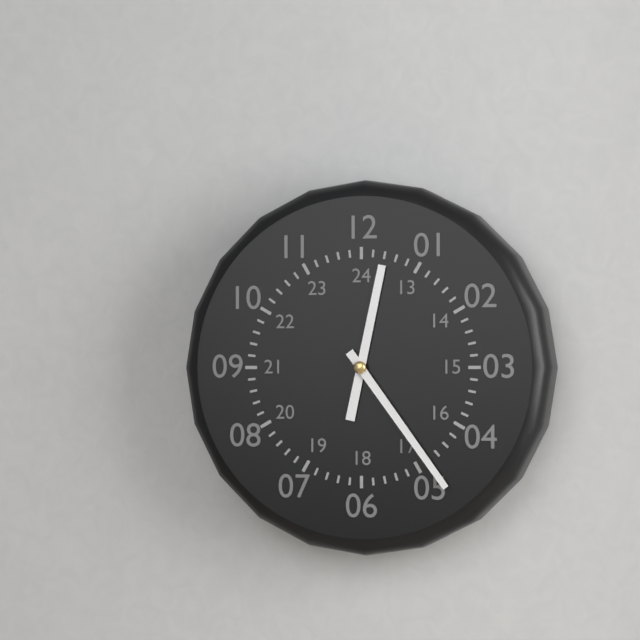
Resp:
12:24
